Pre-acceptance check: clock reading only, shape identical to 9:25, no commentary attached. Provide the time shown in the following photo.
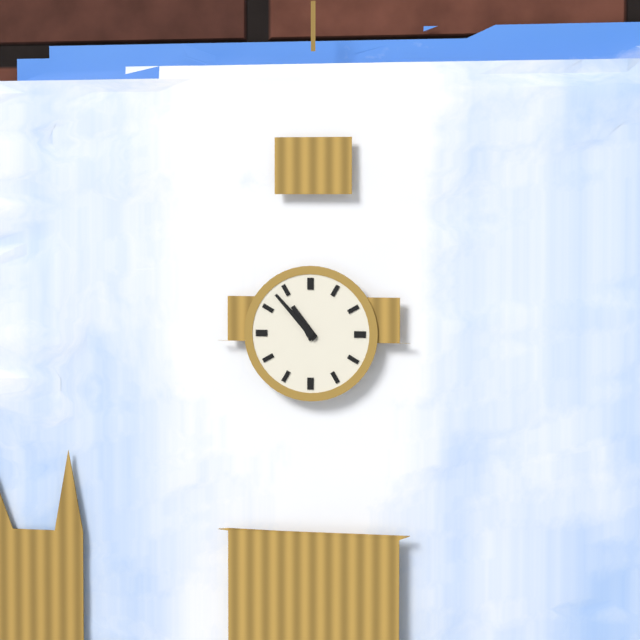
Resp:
10:53
